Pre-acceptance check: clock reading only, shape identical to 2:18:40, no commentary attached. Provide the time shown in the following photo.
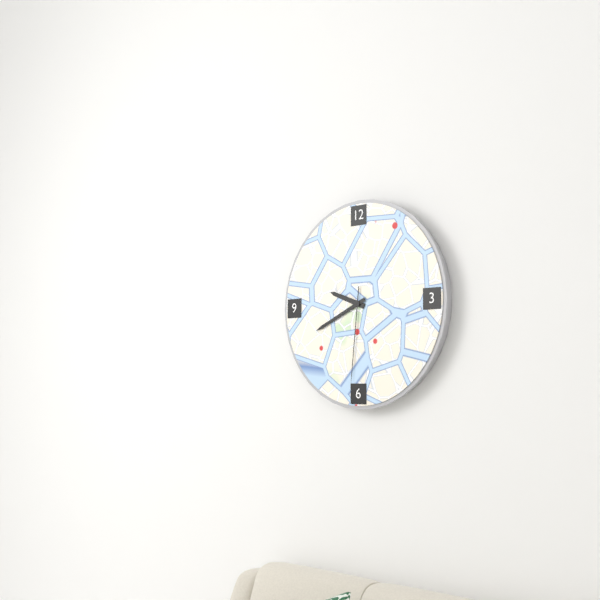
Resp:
9:41:31
